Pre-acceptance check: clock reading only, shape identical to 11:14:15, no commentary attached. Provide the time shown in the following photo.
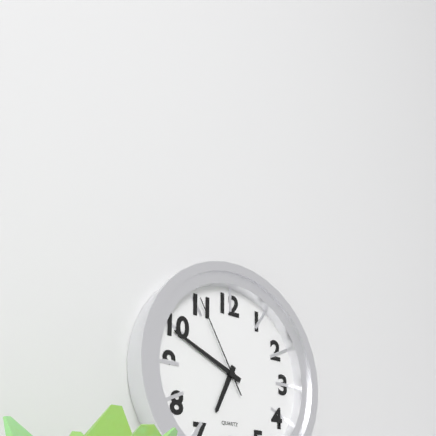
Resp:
6:49:55
